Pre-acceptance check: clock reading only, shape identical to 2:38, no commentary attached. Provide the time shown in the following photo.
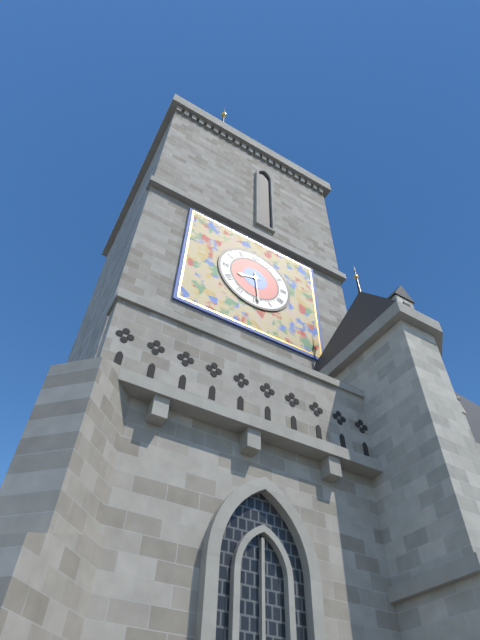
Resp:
8:29
